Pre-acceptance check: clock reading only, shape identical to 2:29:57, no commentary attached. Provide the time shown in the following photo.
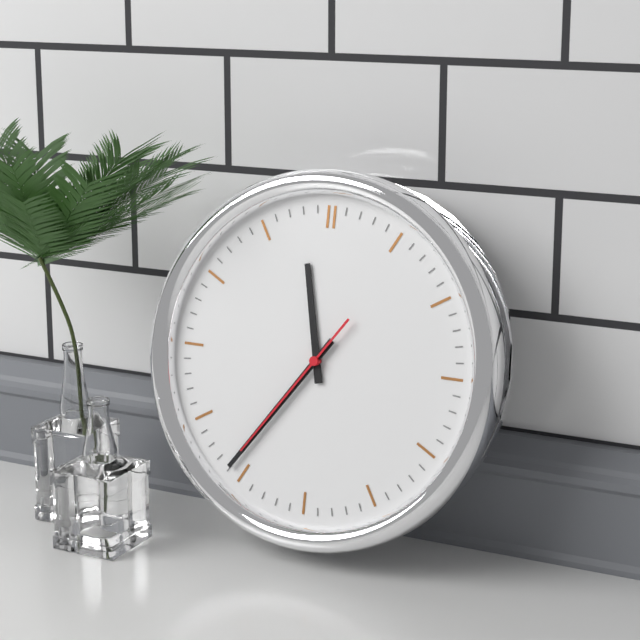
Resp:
11:36:36
